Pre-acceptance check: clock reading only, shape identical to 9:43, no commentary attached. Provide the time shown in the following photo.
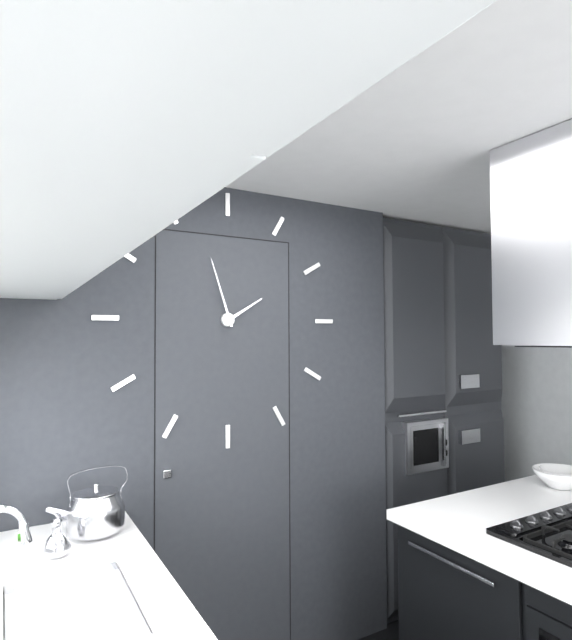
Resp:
1:57
